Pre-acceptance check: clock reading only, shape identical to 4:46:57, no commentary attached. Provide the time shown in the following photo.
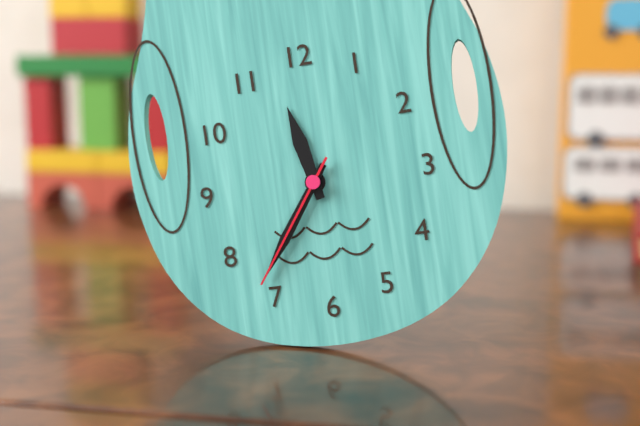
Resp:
11:36:36
